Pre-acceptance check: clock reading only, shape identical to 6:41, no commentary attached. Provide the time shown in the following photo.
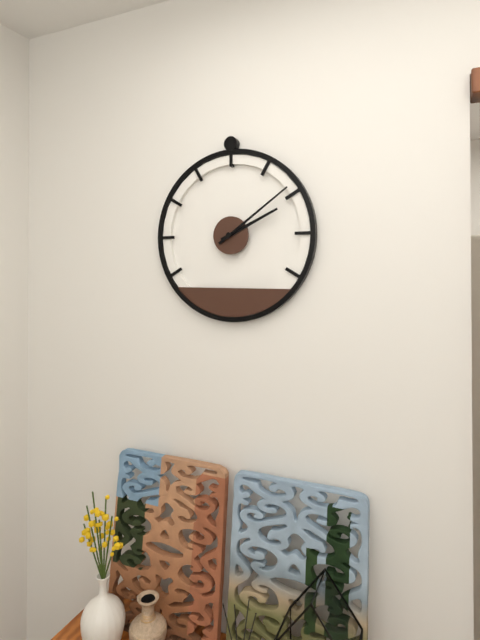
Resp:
2:09
